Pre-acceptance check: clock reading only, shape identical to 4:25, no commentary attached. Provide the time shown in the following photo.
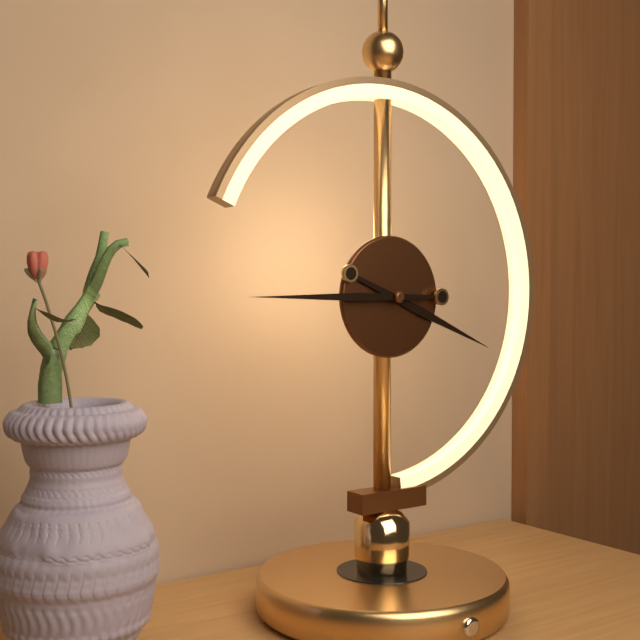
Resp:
3:45
